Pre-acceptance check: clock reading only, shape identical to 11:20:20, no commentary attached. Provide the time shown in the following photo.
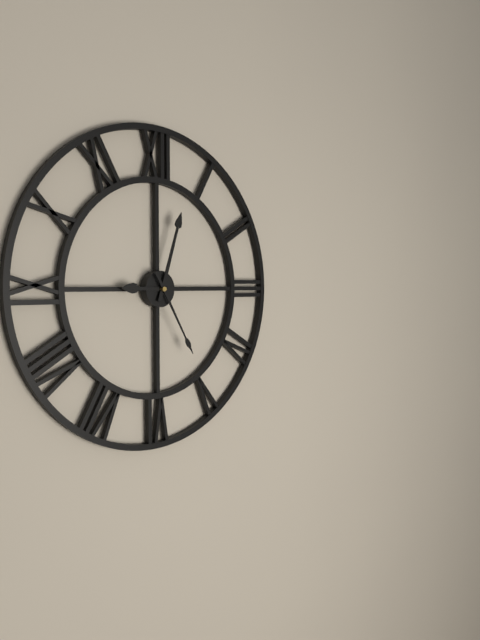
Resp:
9:03:25
